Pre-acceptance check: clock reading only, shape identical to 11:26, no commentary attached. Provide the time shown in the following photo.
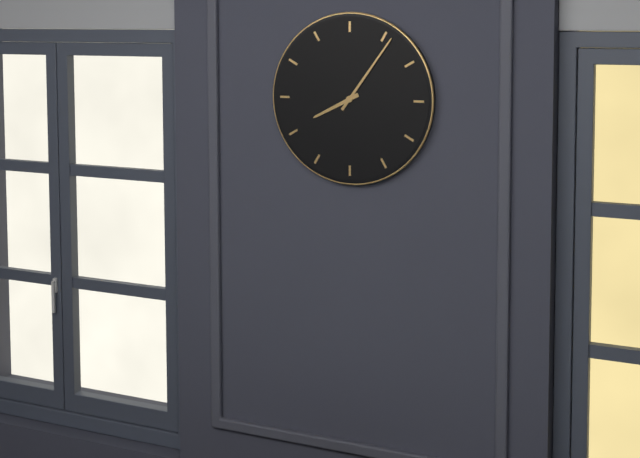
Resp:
8:06
